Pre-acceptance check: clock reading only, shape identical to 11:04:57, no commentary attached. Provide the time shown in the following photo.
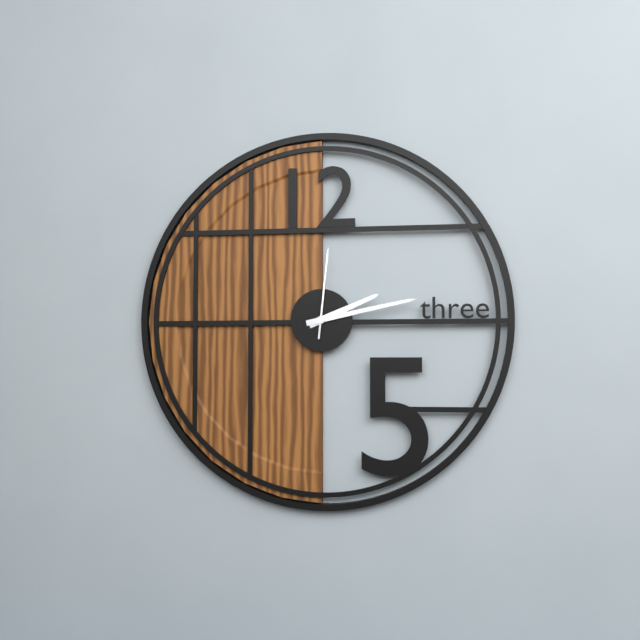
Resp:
2:13:01
